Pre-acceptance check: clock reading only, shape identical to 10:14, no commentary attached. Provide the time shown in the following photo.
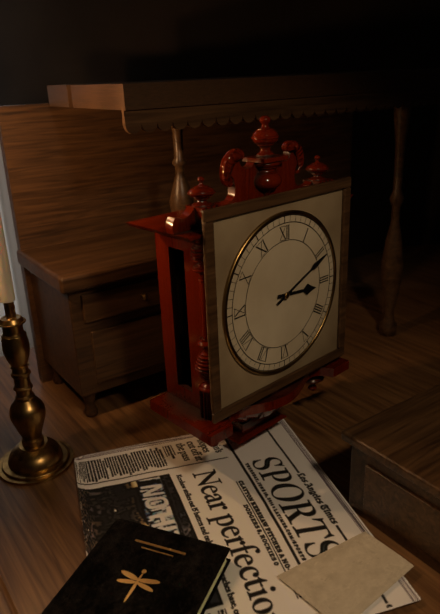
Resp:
3:11
